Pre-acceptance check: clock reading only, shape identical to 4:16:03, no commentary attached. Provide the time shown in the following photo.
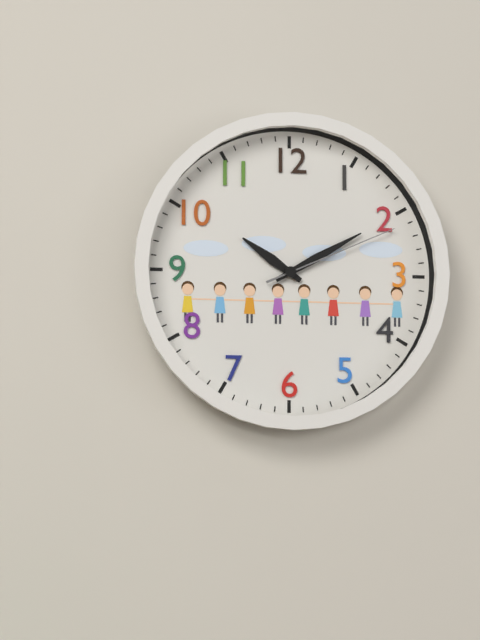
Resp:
10:10:11
